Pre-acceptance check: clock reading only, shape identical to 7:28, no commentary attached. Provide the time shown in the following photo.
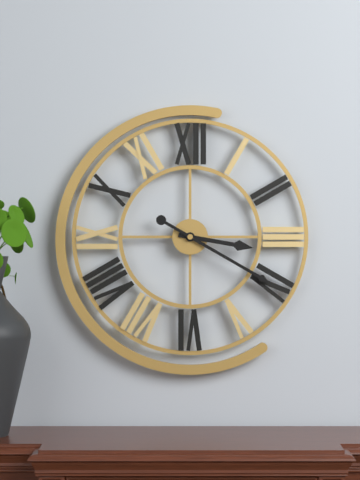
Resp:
3:20
